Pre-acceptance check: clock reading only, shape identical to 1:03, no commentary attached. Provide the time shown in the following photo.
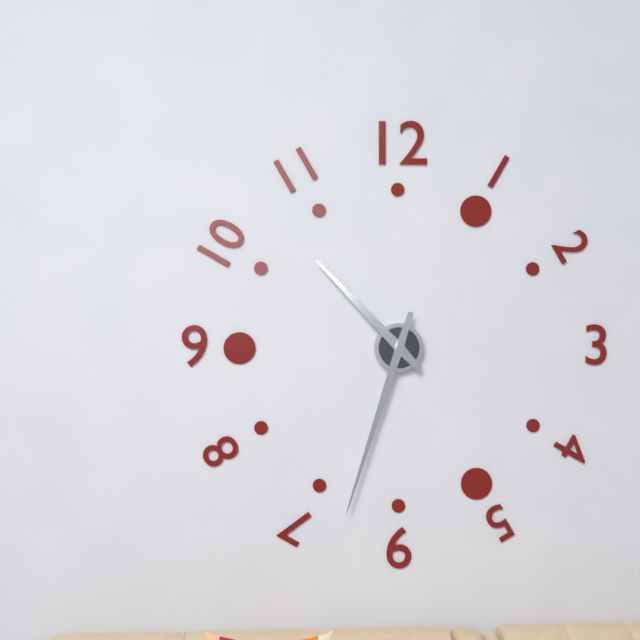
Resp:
10:33
